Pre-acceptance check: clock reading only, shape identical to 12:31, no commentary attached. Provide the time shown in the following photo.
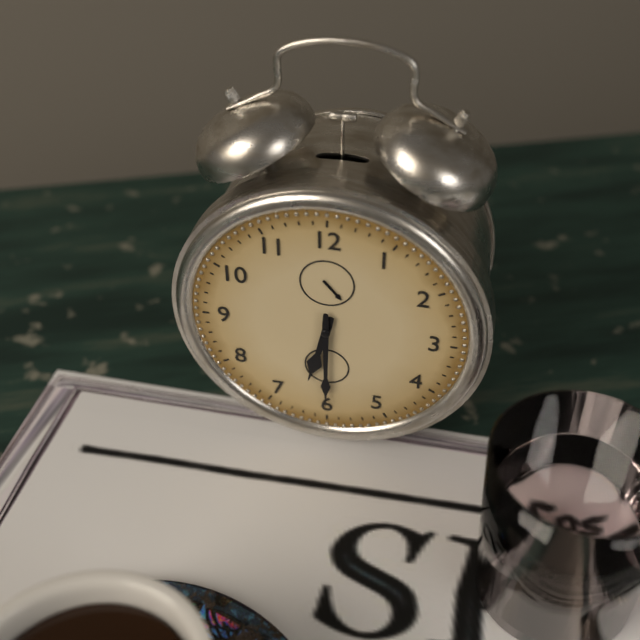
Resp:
6:30
